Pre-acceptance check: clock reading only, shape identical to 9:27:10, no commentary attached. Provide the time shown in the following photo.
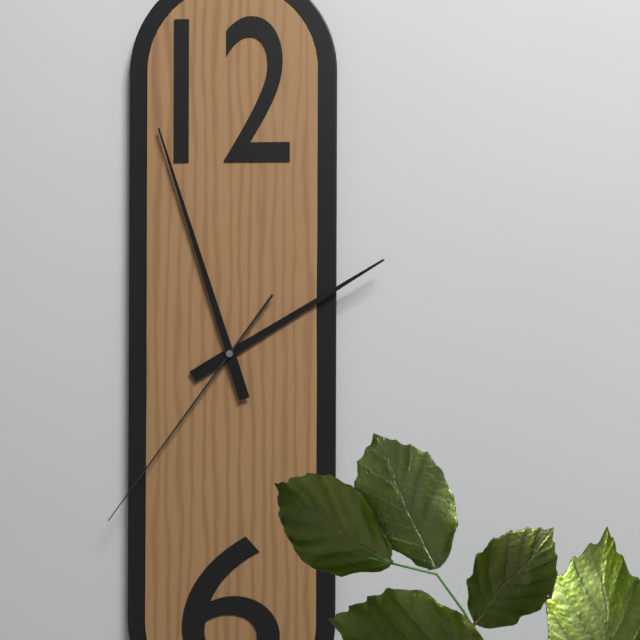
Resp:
1:57:36
